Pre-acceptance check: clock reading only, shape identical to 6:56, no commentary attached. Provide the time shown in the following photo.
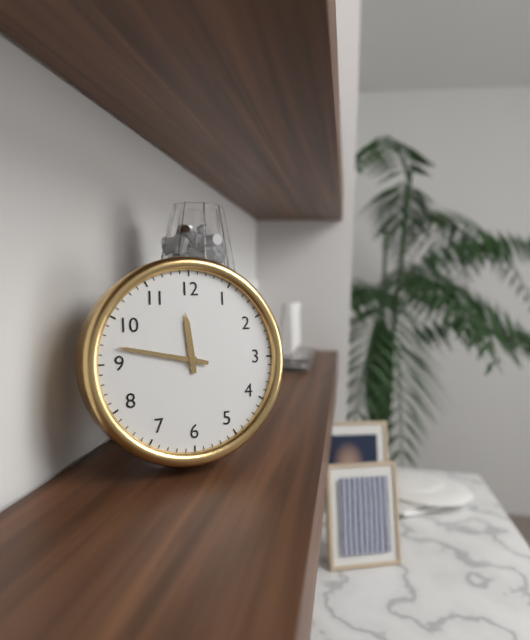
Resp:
11:47
